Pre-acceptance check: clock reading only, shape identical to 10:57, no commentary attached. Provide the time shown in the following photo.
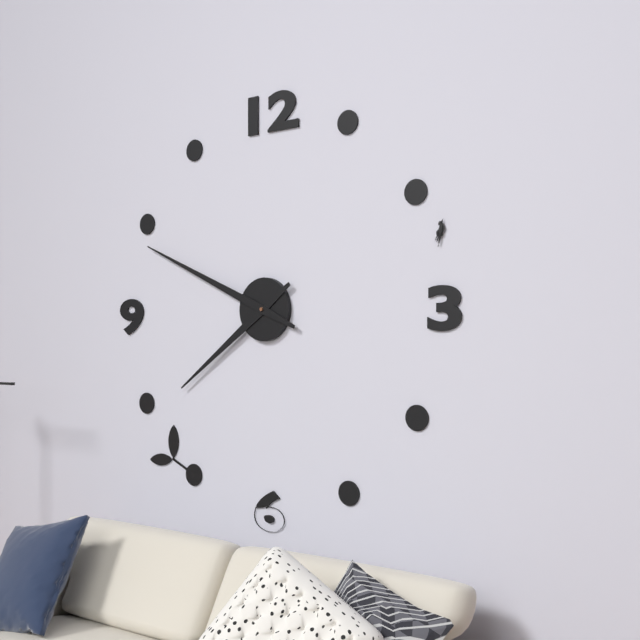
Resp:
7:49
